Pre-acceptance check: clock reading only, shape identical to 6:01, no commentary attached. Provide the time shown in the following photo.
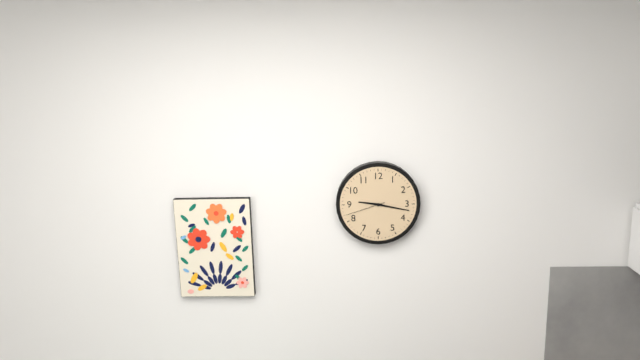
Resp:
9:17
